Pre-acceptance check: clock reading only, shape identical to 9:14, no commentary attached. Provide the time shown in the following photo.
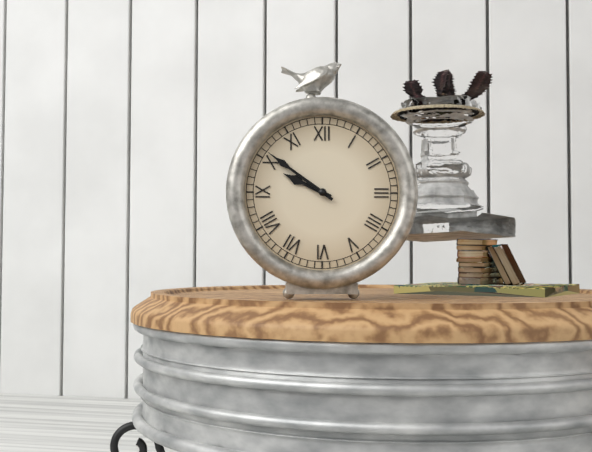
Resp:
9:51
